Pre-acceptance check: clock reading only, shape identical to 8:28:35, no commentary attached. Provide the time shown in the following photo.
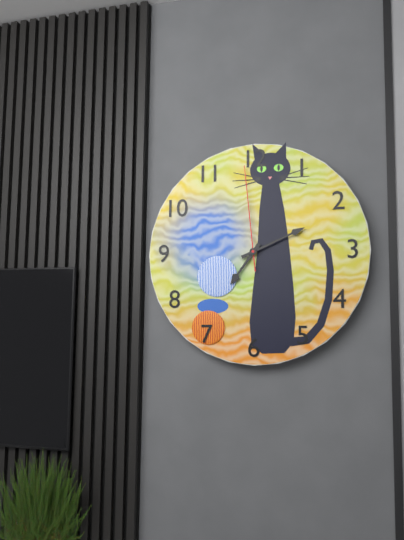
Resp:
7:11:59
